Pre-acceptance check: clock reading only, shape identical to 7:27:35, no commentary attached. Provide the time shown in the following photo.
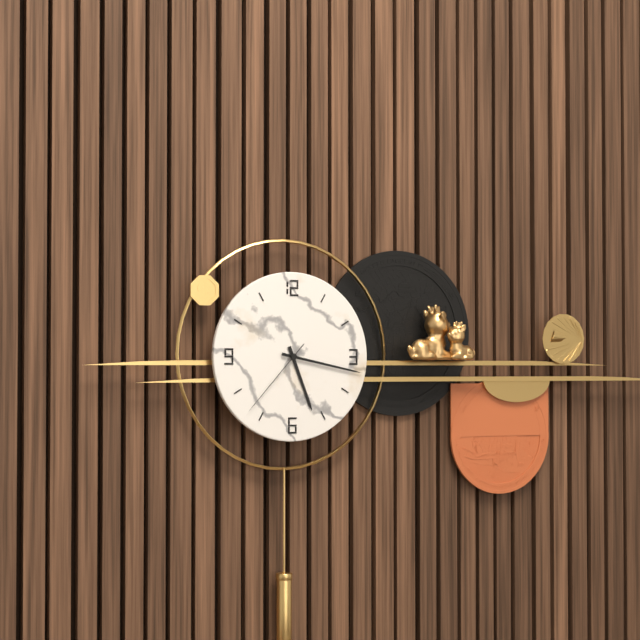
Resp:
5:17:37
